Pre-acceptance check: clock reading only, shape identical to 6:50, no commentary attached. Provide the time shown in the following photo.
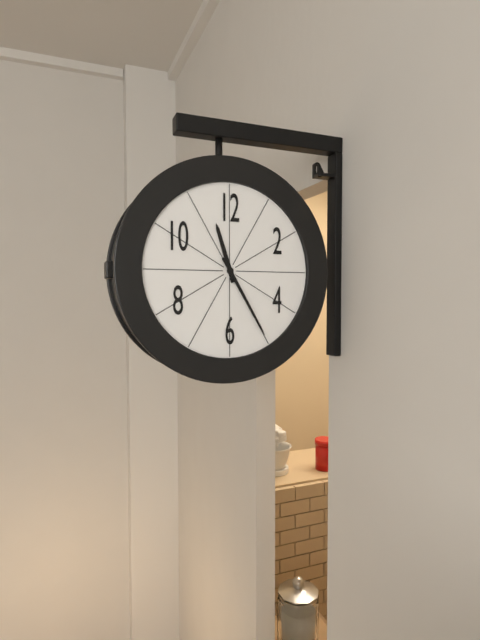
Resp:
11:25
